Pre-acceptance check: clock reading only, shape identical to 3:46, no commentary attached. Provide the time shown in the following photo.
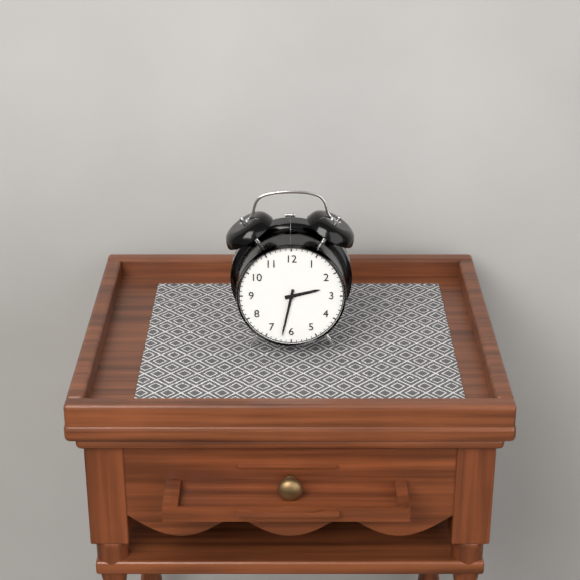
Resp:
2:32
